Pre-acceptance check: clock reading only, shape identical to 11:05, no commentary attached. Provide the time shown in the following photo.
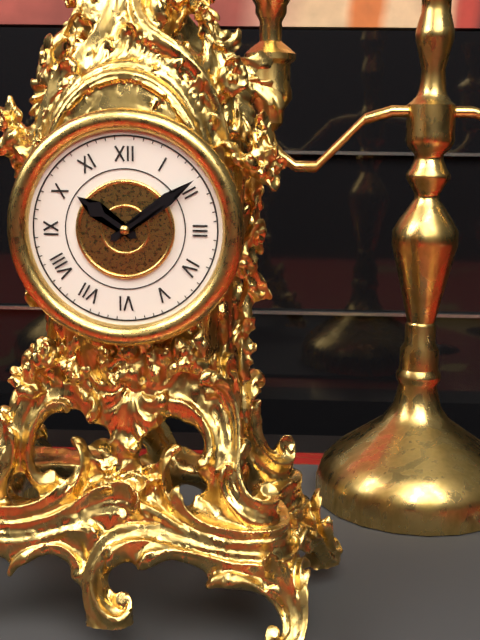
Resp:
10:09
